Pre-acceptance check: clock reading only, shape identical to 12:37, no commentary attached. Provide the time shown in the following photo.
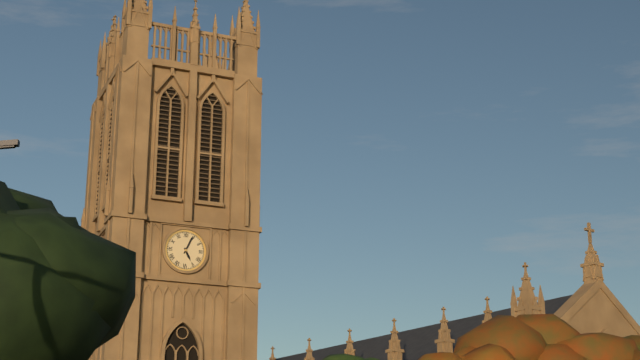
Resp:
5:04
